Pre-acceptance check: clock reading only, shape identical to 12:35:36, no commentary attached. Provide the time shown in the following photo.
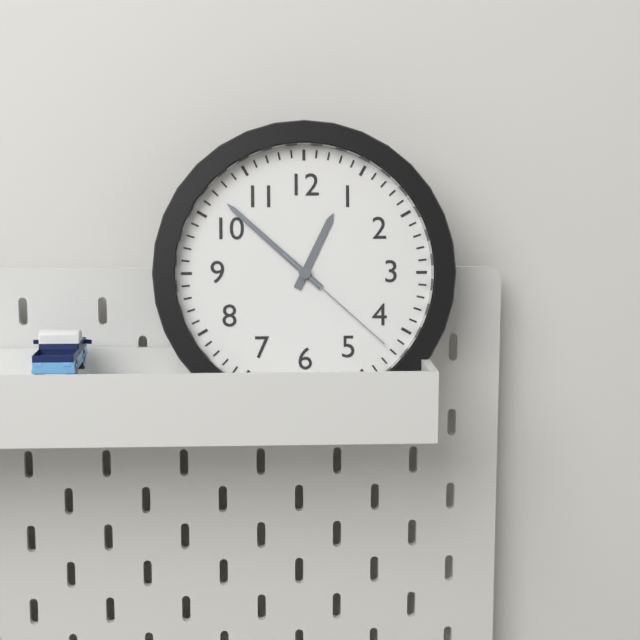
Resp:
12:52:22
